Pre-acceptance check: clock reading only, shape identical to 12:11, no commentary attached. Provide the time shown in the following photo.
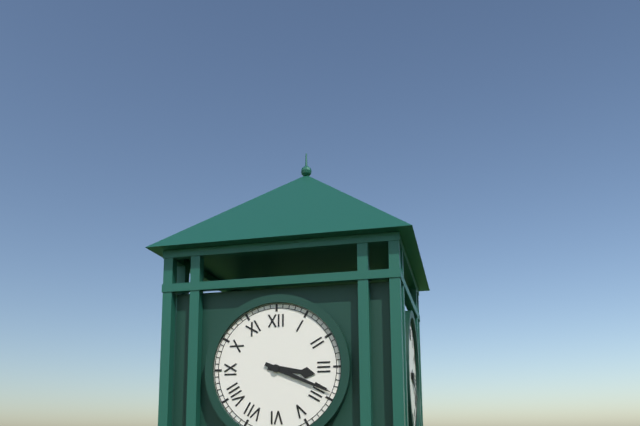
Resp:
3:19
